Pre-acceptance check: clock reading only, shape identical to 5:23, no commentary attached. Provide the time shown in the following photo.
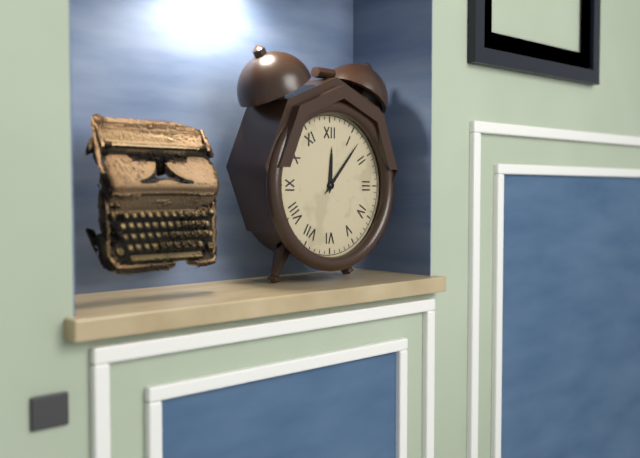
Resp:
12:07
